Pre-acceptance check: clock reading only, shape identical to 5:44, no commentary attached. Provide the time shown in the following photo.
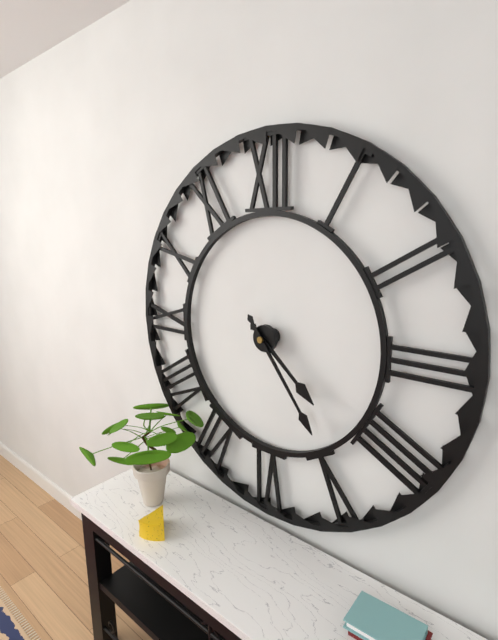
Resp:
4:24
